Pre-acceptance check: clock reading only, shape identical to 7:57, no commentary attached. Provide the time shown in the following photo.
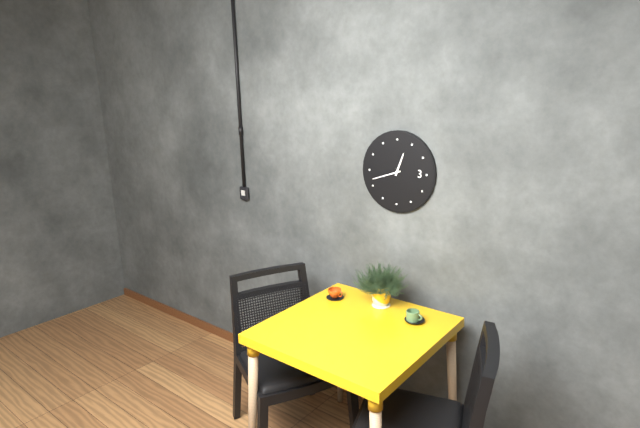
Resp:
12:42
